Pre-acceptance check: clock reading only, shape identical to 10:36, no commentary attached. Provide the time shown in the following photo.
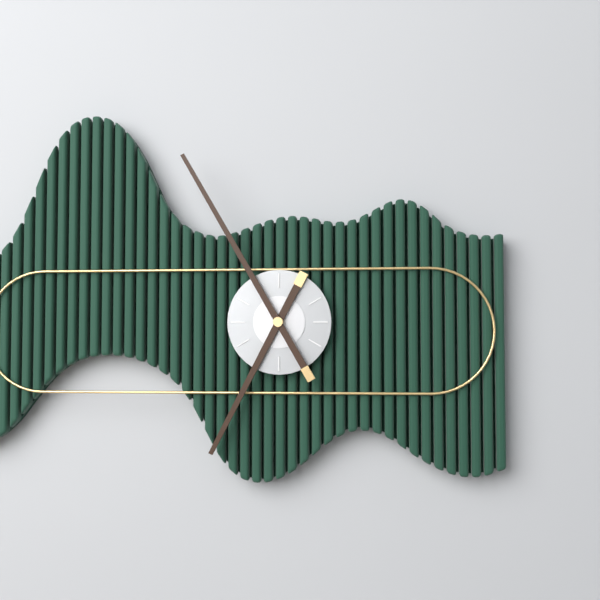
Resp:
6:55
